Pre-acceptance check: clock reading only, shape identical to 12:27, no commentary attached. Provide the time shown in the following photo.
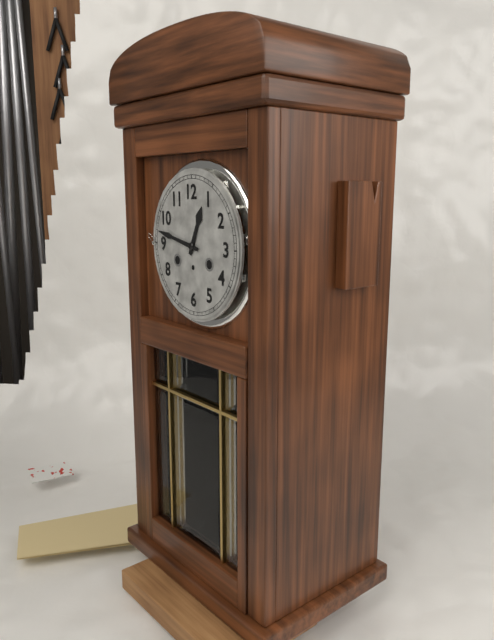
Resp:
12:47
